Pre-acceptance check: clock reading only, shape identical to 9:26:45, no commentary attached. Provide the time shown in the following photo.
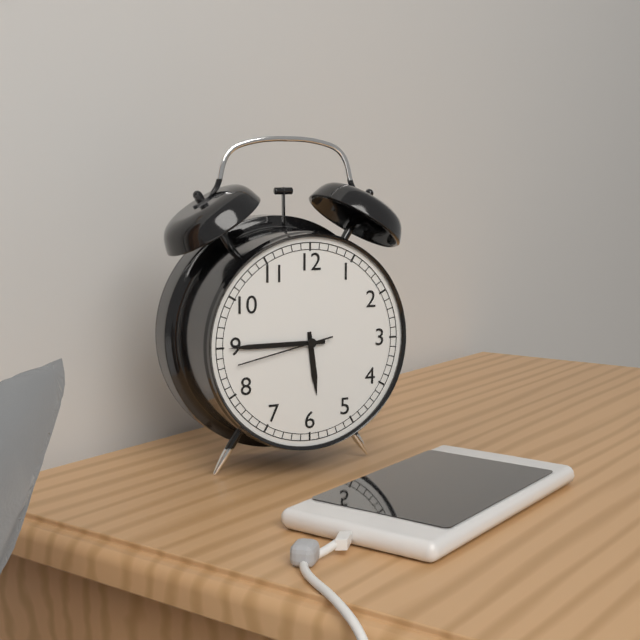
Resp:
5:45:43
